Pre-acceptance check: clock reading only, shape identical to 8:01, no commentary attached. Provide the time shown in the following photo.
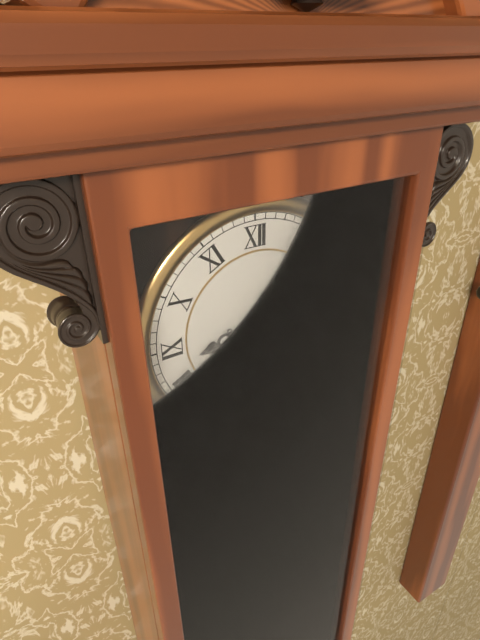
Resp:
8:33
